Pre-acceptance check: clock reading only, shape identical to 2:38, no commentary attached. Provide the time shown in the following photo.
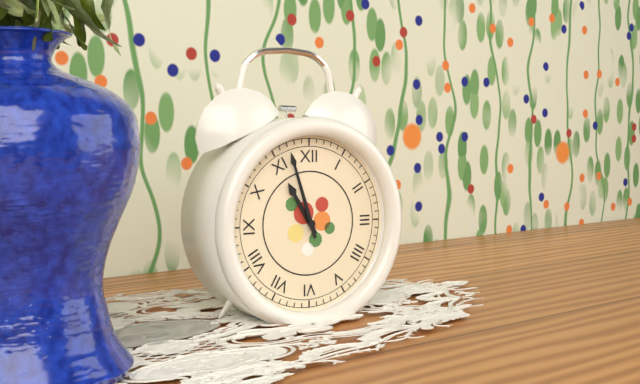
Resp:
10:57
